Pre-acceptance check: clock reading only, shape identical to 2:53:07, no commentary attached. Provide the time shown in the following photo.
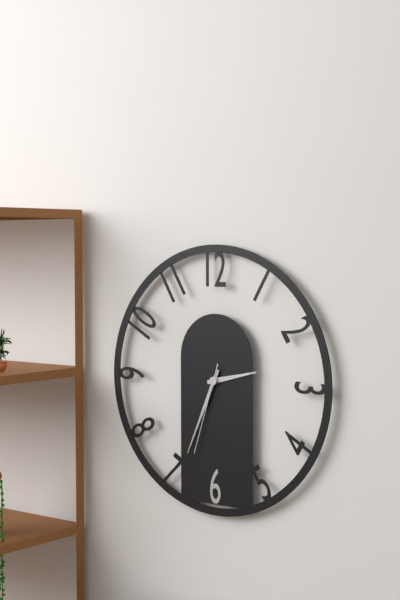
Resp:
2:34:33
